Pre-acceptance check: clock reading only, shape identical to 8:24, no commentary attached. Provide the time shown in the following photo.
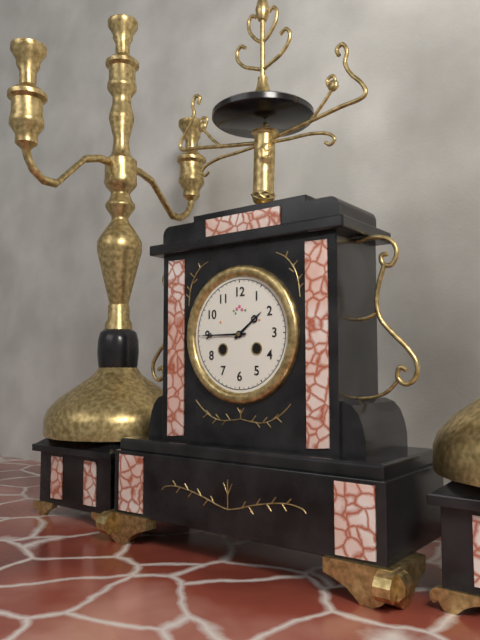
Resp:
1:45
